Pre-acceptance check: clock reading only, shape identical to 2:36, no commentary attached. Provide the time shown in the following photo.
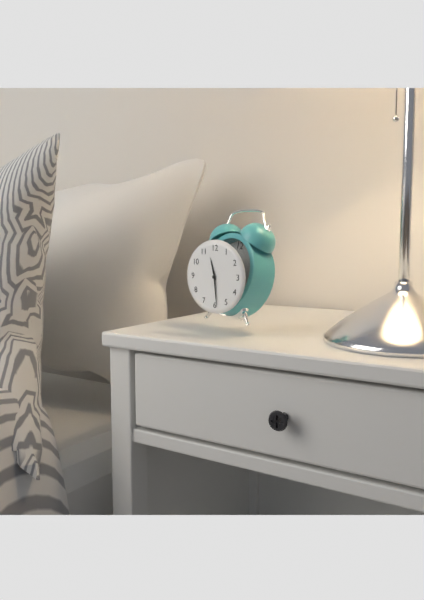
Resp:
11:29
